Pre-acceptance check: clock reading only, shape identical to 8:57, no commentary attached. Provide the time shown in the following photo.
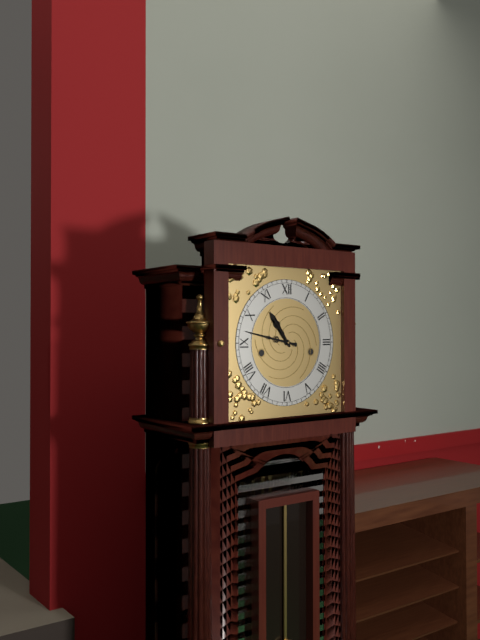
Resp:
10:47
